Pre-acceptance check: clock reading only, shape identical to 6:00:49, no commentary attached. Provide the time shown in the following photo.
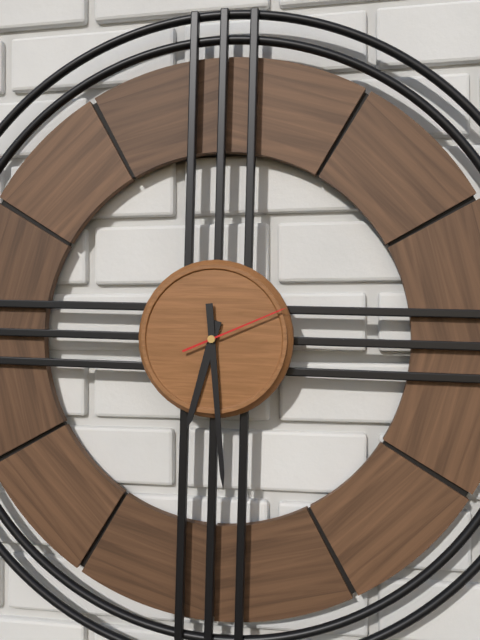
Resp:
6:29:11
